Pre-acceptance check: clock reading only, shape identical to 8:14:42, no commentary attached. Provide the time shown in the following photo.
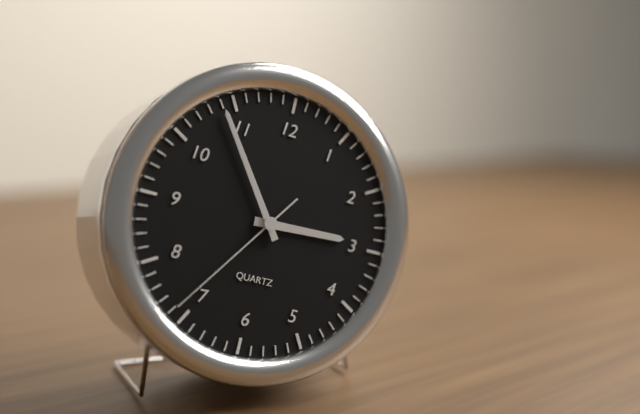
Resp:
2:54:36
